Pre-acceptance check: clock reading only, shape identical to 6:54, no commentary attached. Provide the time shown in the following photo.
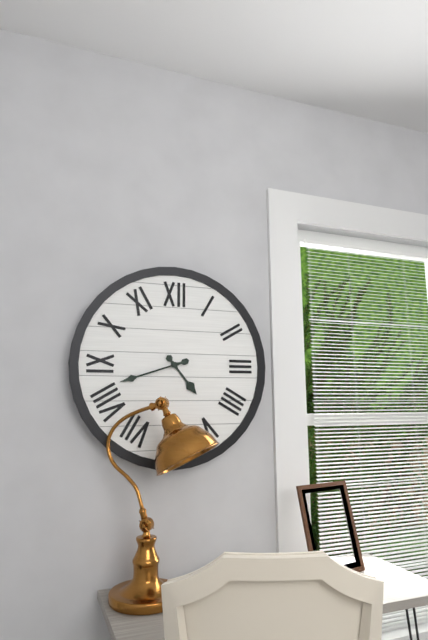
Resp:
4:42
